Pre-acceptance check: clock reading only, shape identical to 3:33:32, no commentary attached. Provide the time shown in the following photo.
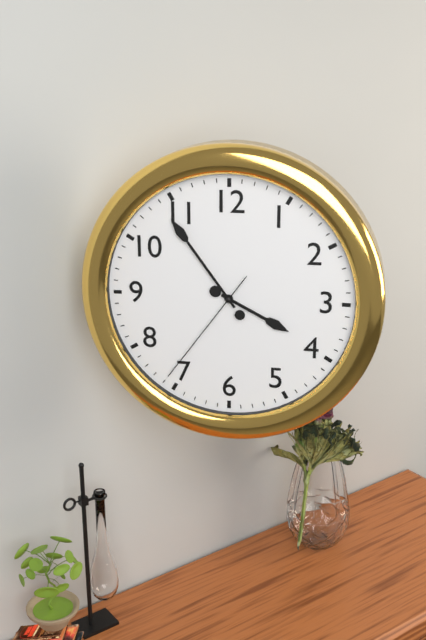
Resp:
3:54:36
